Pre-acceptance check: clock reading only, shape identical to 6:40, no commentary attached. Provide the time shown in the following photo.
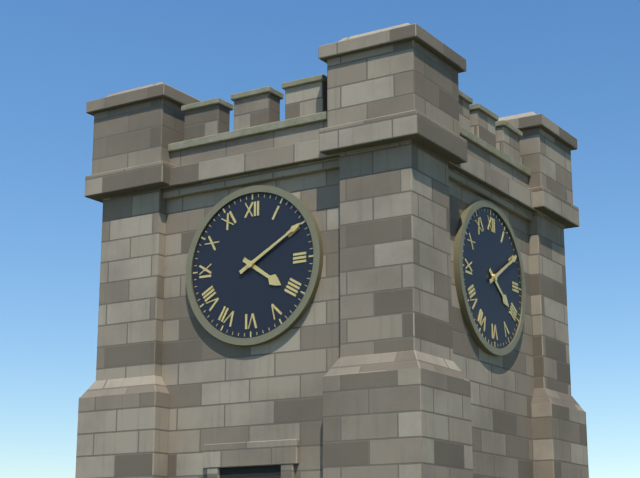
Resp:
4:10
